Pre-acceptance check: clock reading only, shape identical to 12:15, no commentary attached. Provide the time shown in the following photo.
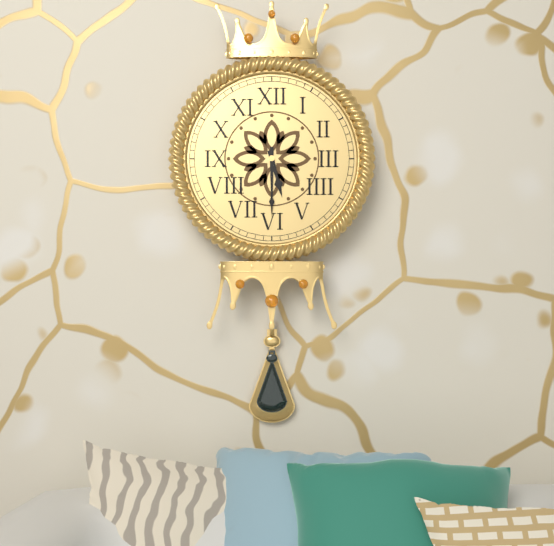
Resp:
5:30
